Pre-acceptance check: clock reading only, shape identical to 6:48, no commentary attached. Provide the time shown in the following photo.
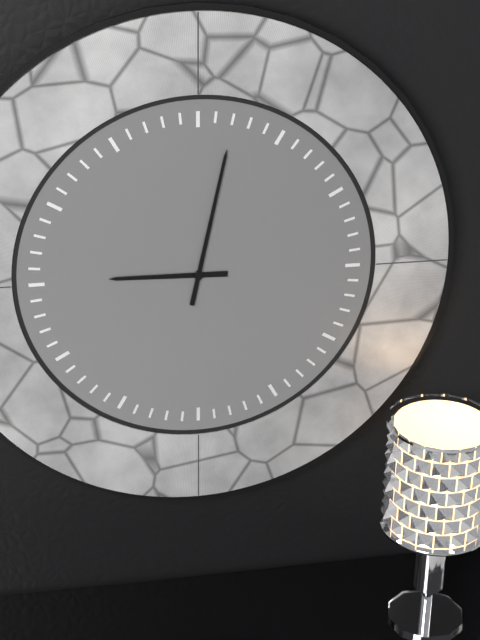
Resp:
9:02
